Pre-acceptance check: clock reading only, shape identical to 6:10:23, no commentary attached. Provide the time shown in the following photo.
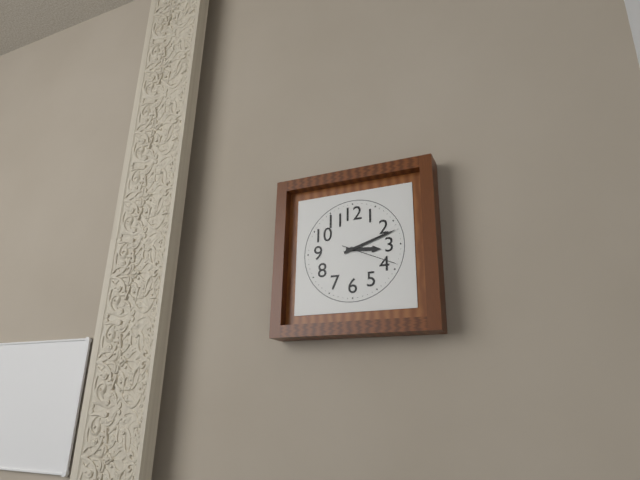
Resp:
3:12:19
